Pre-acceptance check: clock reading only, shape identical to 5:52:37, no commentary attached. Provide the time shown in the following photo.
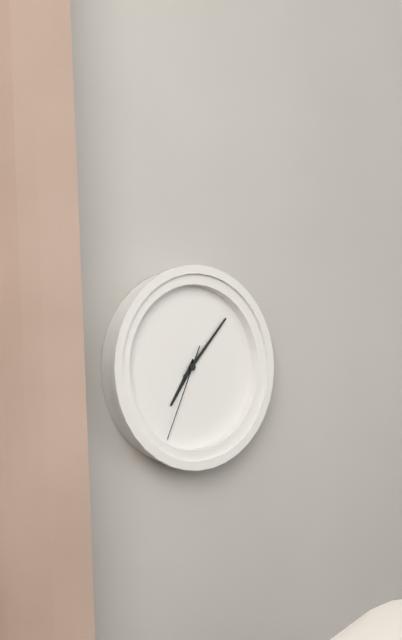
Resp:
7:07:34
